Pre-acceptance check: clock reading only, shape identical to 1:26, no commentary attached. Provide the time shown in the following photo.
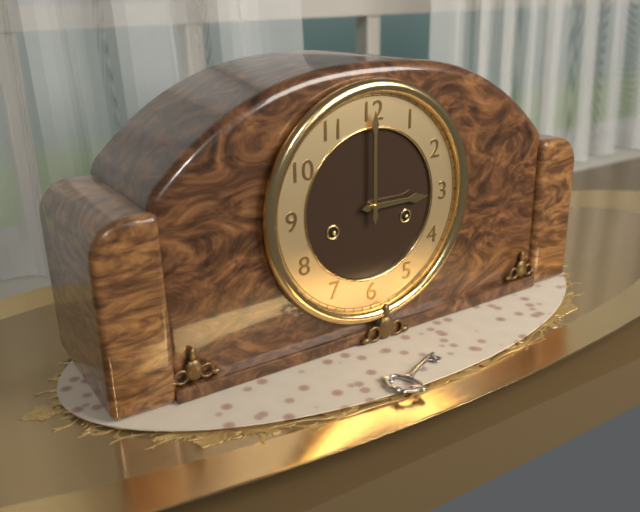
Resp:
3:00
